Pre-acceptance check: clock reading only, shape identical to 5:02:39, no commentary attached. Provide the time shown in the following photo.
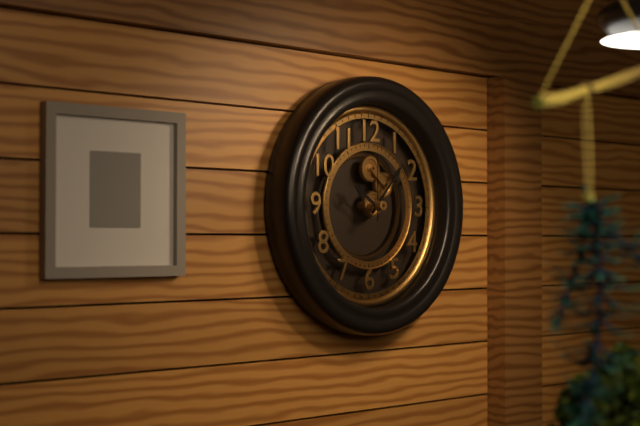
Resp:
10:07:00
